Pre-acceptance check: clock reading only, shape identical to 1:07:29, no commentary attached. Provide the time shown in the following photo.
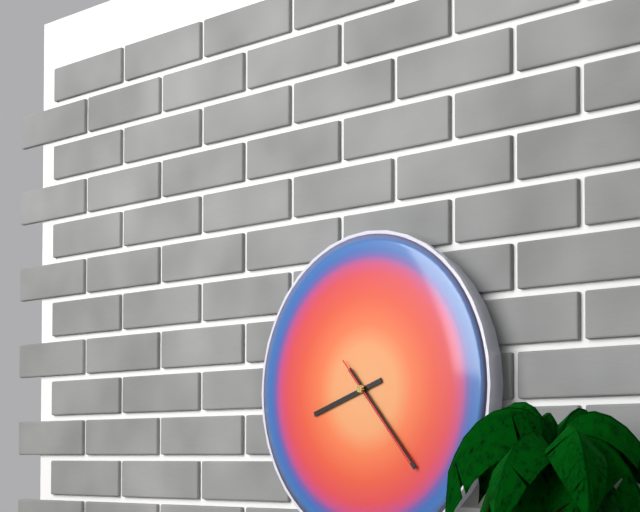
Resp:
8:23:23
